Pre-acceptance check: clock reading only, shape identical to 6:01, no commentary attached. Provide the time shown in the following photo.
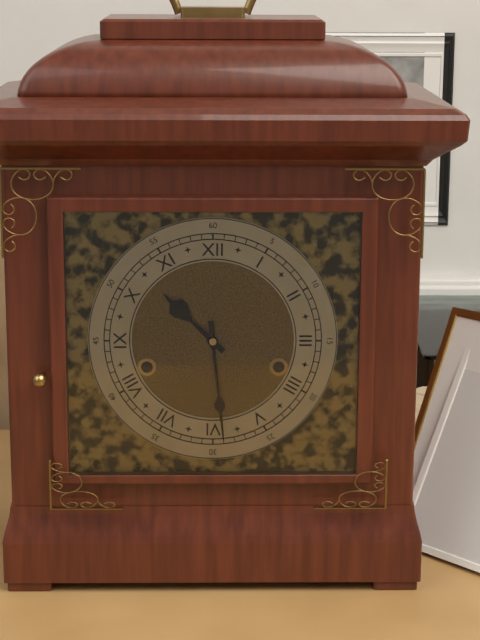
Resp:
10:29
